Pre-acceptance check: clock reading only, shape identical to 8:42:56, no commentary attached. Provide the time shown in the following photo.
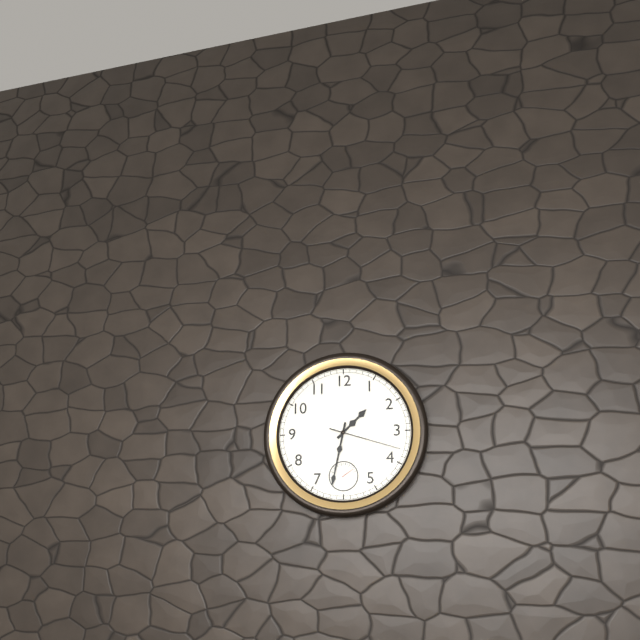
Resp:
1:32:18
